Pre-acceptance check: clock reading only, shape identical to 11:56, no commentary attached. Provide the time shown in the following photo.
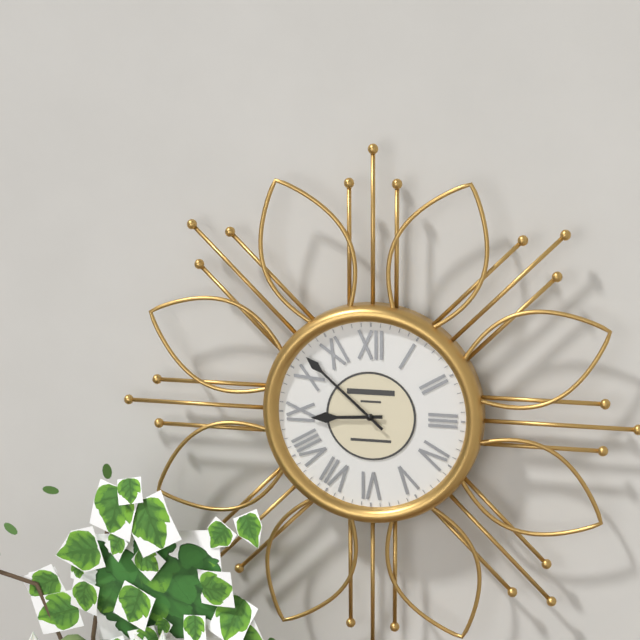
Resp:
8:52
